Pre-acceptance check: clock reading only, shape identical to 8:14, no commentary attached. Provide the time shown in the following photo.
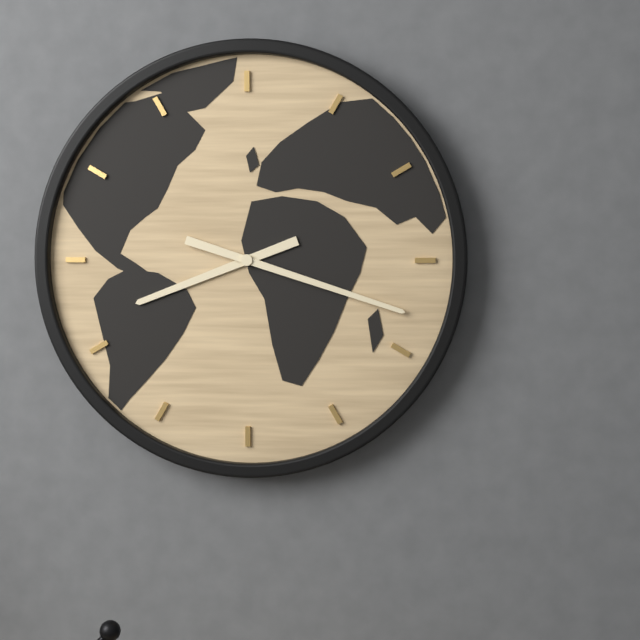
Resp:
8:18
